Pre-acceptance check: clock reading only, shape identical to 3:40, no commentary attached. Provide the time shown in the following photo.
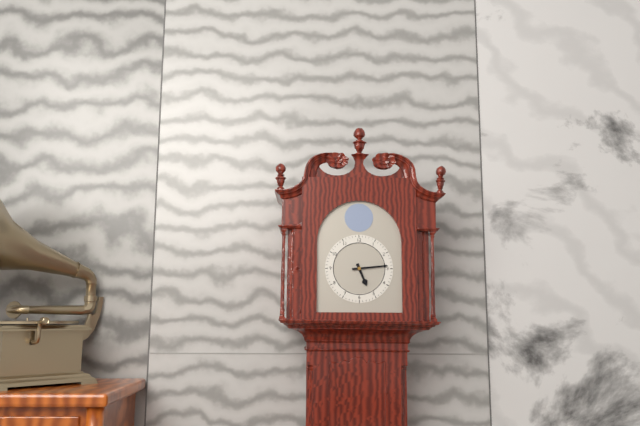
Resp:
5:14
